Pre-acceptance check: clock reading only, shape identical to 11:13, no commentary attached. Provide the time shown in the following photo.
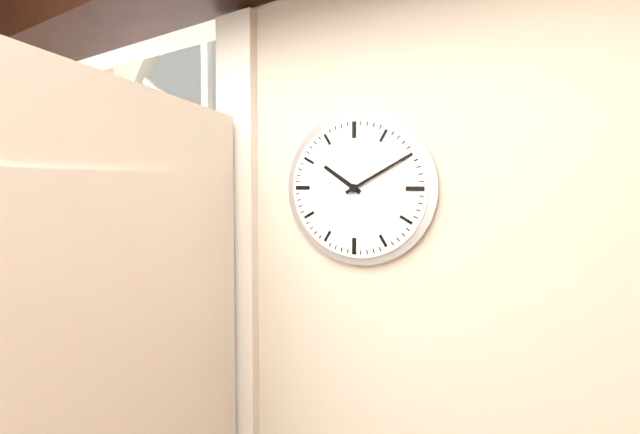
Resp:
10:10
